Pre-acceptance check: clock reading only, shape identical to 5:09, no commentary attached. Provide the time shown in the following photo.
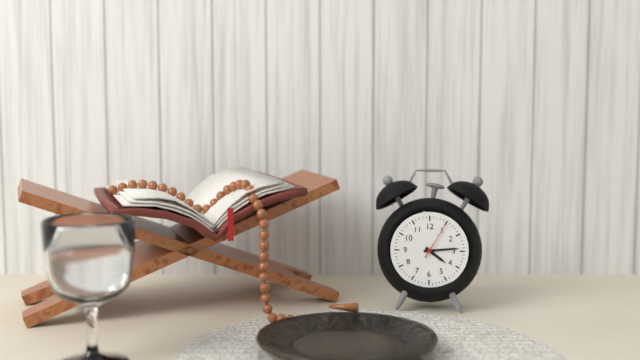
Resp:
4:14
